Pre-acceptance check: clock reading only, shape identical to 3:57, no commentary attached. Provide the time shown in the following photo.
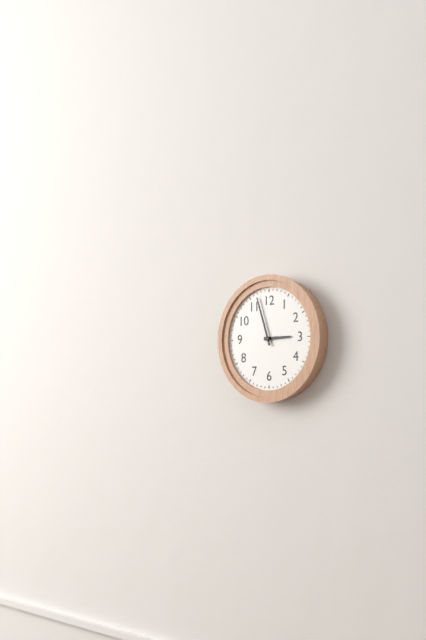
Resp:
2:57
